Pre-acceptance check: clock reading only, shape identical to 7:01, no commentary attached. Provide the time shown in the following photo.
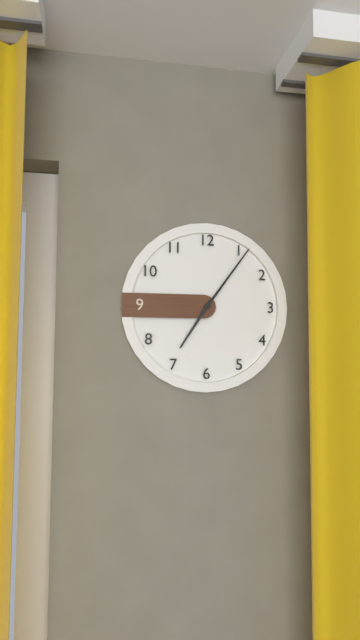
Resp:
7:06
